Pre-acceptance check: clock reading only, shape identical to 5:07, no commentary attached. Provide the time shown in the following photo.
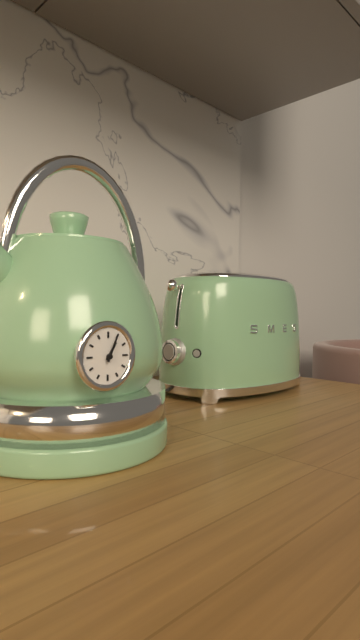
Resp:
1:04
